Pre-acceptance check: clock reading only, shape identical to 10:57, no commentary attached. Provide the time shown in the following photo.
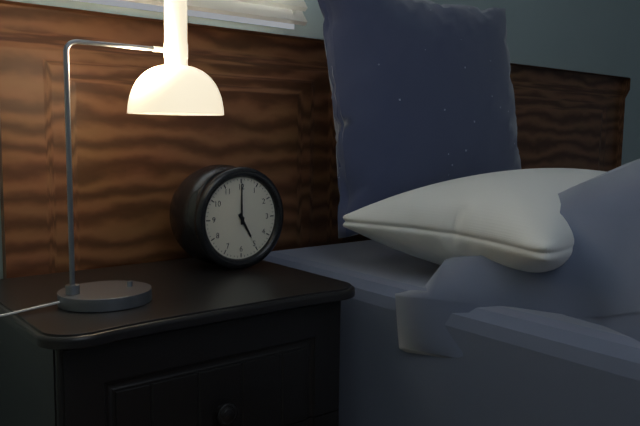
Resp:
5:00
